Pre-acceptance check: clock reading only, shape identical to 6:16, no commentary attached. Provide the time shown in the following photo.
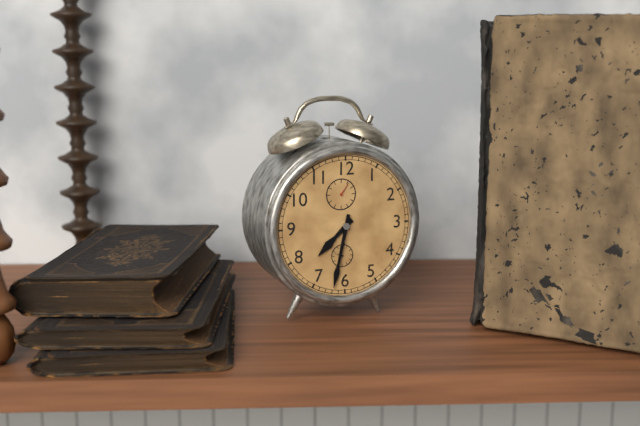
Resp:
7:32
